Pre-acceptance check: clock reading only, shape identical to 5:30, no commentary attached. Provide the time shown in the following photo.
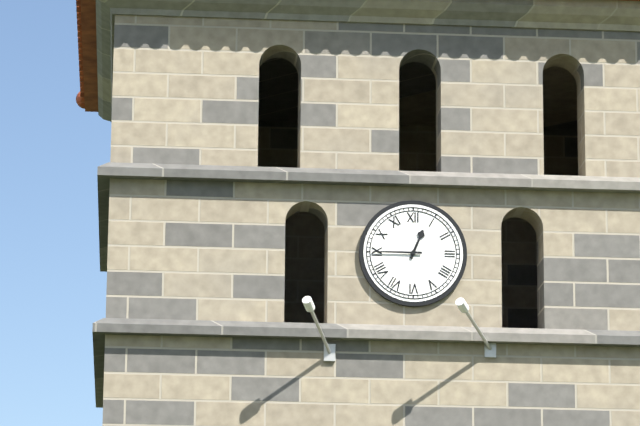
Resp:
12:45
